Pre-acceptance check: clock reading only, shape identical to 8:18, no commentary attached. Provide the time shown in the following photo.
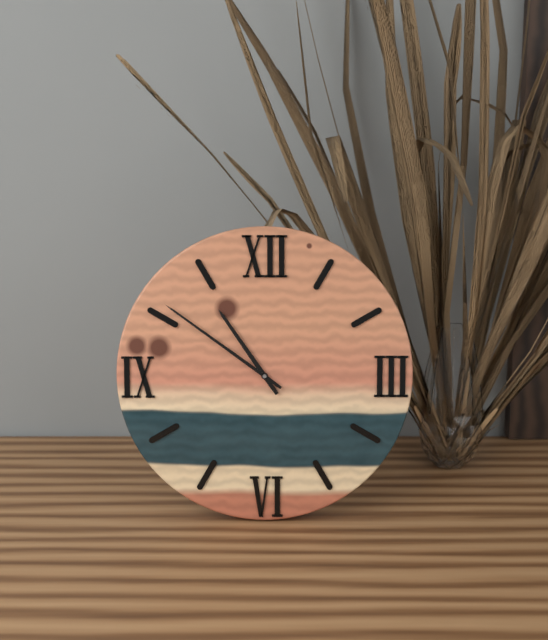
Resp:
10:51
